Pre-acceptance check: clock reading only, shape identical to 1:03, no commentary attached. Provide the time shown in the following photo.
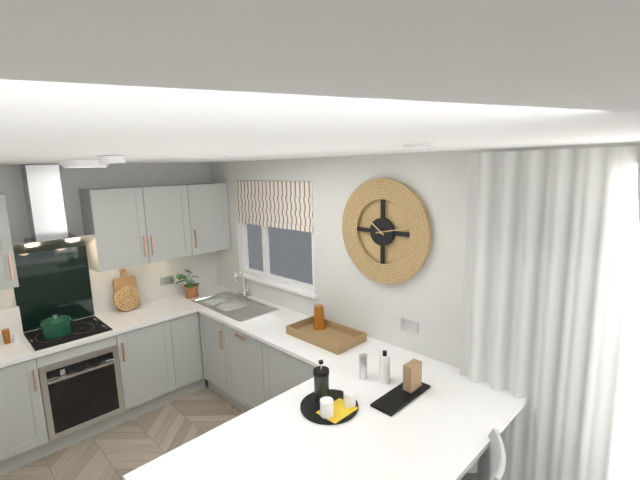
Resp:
10:13
